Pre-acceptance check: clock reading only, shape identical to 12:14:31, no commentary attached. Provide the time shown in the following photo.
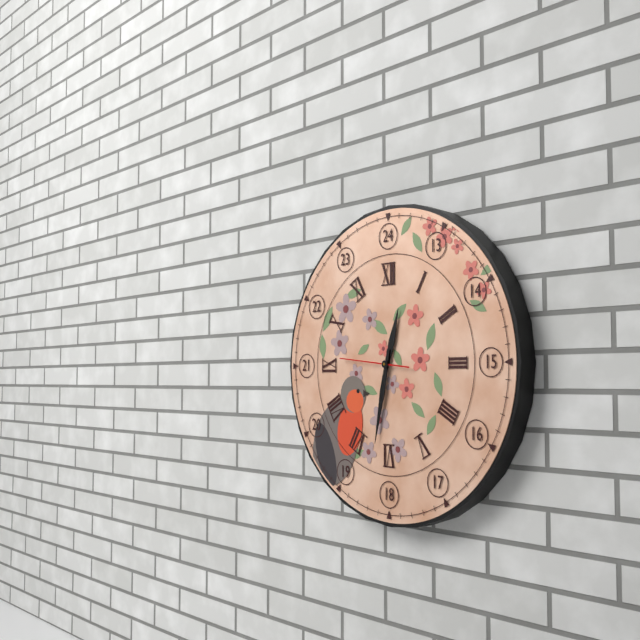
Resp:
12:32:46
